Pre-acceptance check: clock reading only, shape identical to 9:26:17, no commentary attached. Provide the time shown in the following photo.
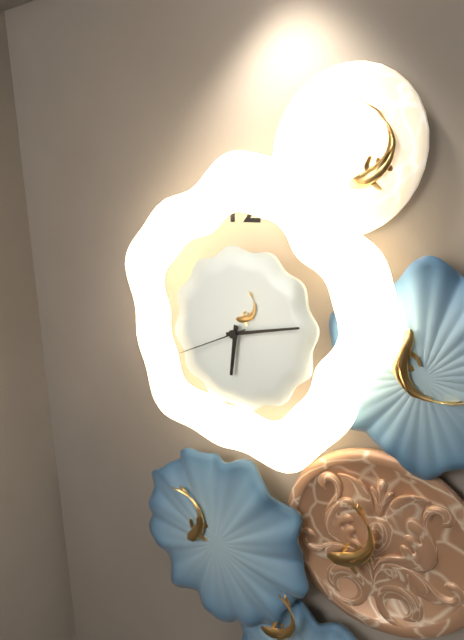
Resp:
6:13:41
